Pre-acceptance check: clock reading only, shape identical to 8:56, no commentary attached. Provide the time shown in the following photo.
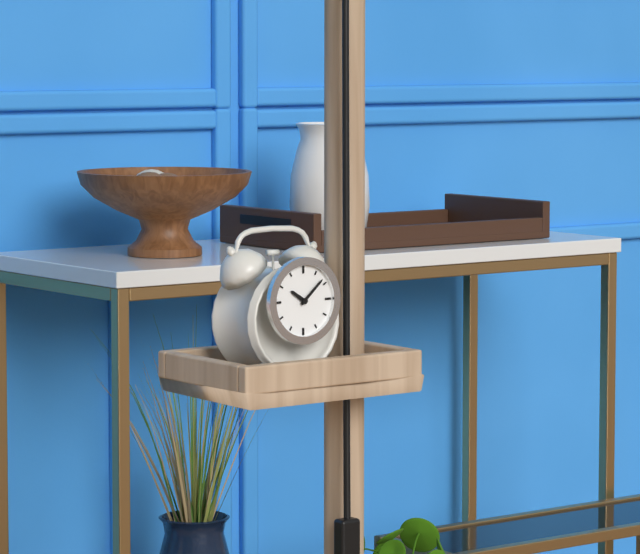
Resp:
10:08
